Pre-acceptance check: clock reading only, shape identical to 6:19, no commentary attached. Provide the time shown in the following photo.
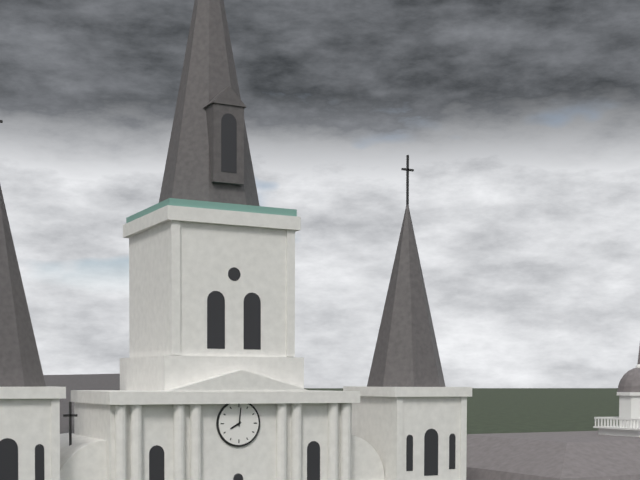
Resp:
8:01
